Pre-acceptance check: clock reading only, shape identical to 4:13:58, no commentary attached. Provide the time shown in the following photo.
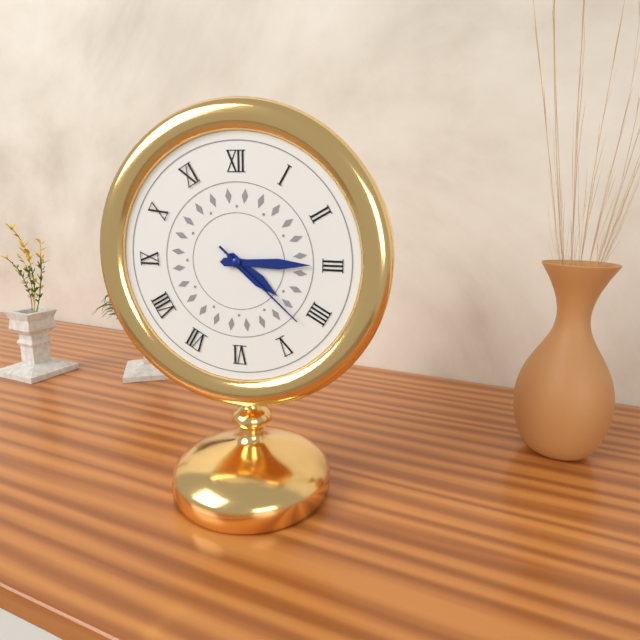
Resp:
4:15:22
